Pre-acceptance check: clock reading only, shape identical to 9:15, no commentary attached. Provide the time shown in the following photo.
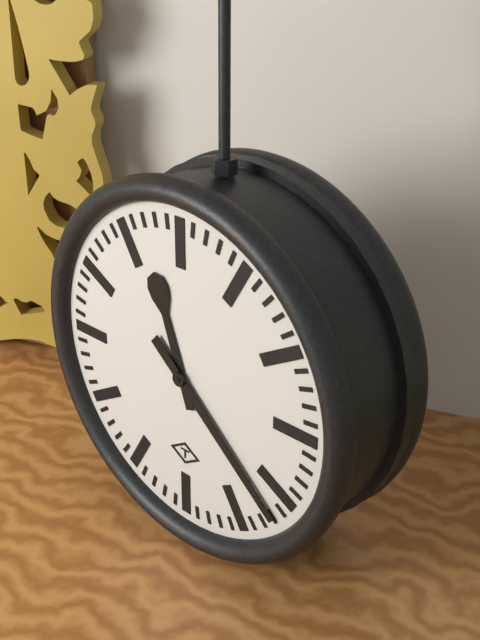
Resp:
11:22
